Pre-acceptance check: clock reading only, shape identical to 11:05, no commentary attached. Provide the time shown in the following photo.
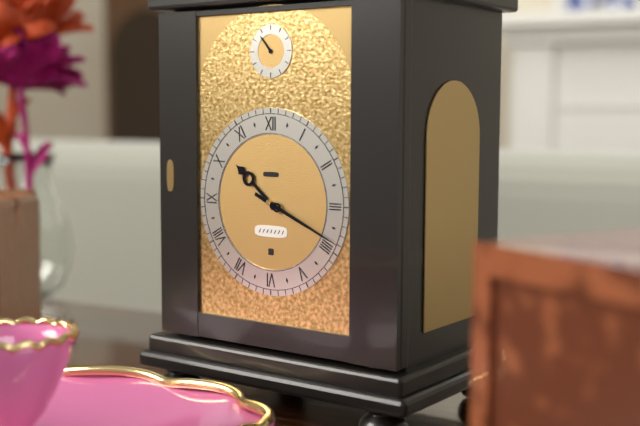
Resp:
10:19
